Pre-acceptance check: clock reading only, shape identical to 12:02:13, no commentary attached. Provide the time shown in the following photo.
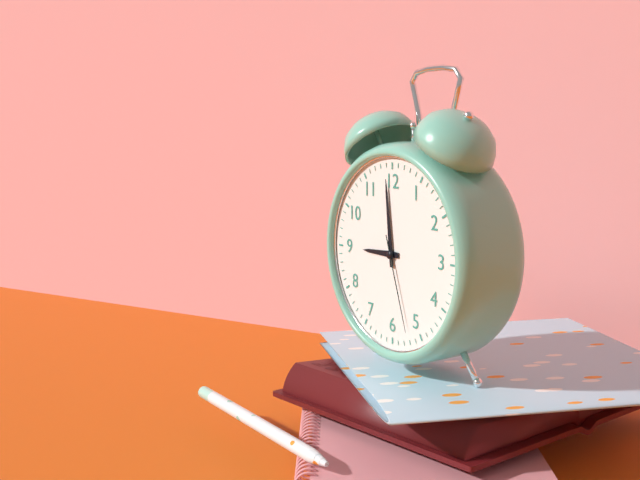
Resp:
8:59:27
